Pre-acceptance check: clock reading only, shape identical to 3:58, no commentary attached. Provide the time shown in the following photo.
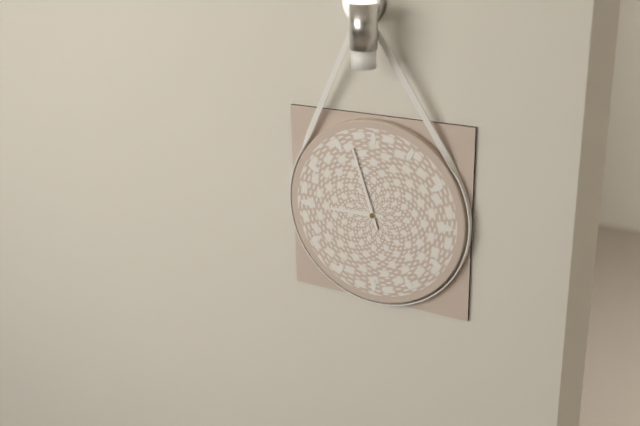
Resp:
8:57
